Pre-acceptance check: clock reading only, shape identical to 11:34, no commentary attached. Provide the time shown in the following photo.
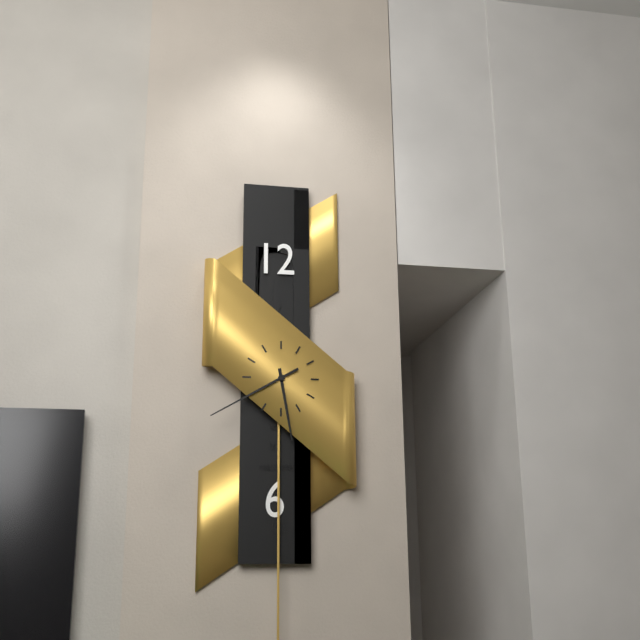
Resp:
5:40
